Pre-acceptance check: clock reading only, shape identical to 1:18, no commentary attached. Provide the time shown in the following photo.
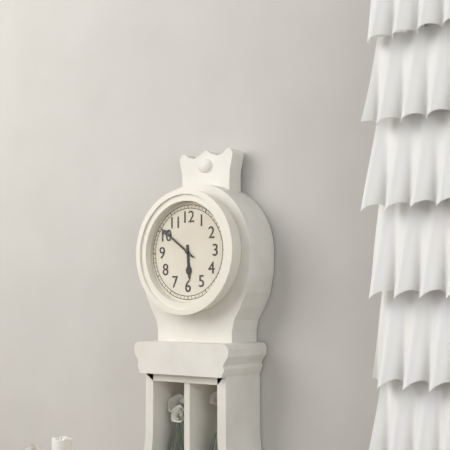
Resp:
5:51
